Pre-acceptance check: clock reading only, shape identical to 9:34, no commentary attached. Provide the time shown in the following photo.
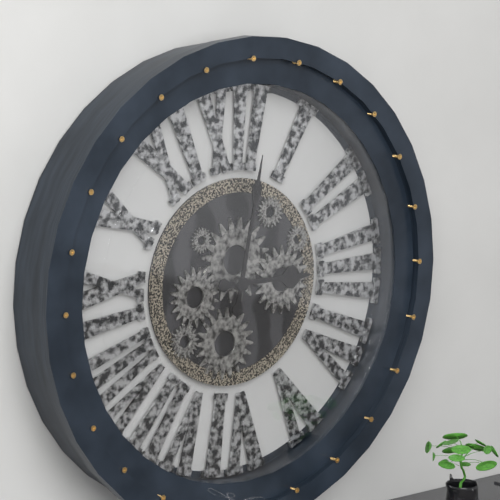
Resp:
3:02
